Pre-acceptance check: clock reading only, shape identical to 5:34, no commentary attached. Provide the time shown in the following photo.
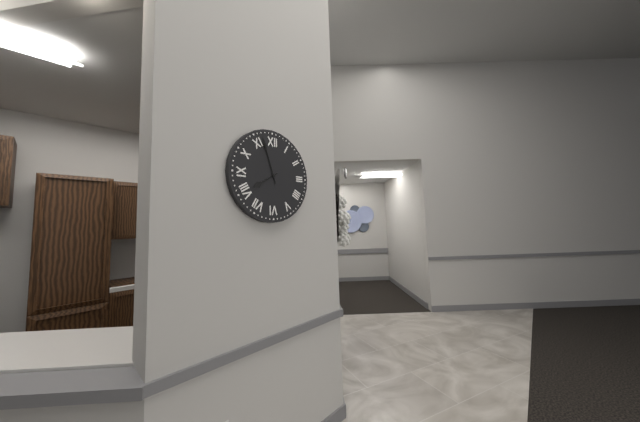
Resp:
7:57
